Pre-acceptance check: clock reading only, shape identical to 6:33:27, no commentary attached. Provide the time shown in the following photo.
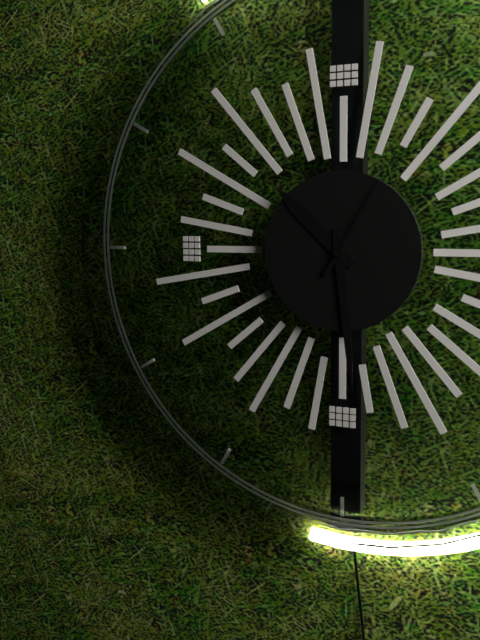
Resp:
10:29:05
